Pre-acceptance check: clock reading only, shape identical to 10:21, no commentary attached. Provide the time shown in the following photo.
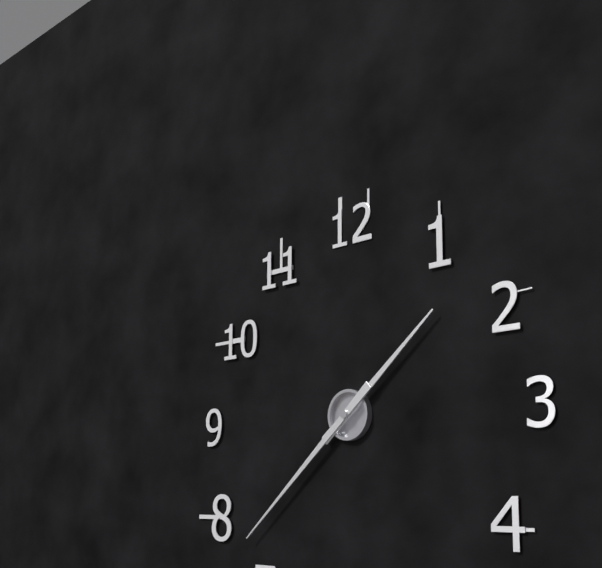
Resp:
1:38
